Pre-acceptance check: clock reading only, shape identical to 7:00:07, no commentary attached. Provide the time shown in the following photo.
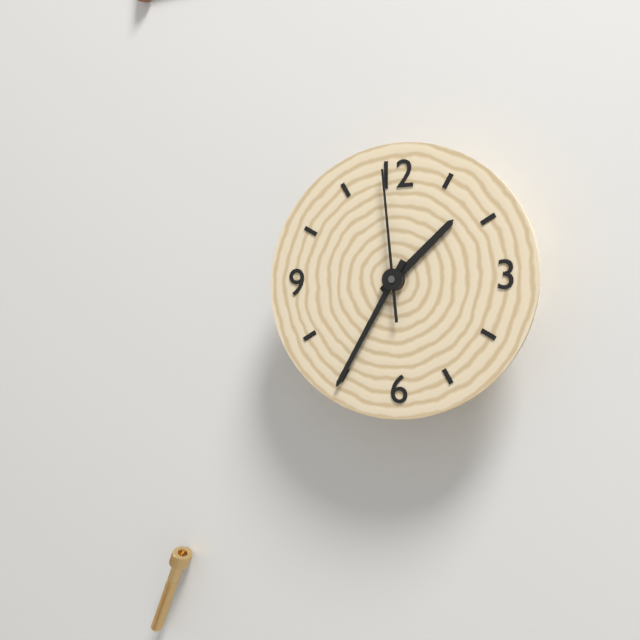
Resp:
1:35:59
